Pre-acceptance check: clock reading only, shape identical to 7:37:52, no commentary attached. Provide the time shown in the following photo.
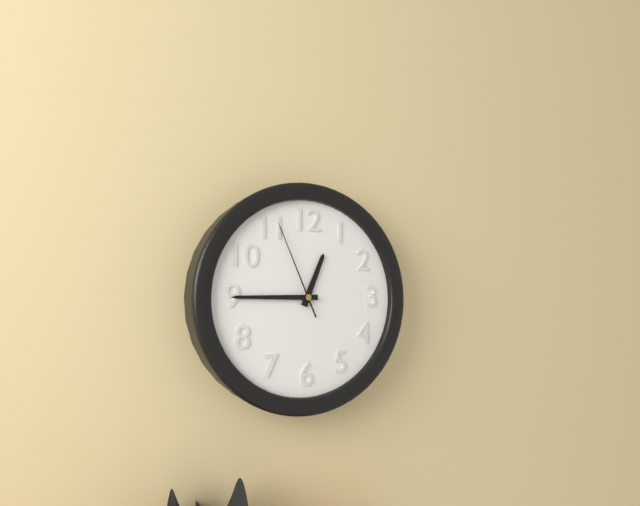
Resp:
12:45:56
